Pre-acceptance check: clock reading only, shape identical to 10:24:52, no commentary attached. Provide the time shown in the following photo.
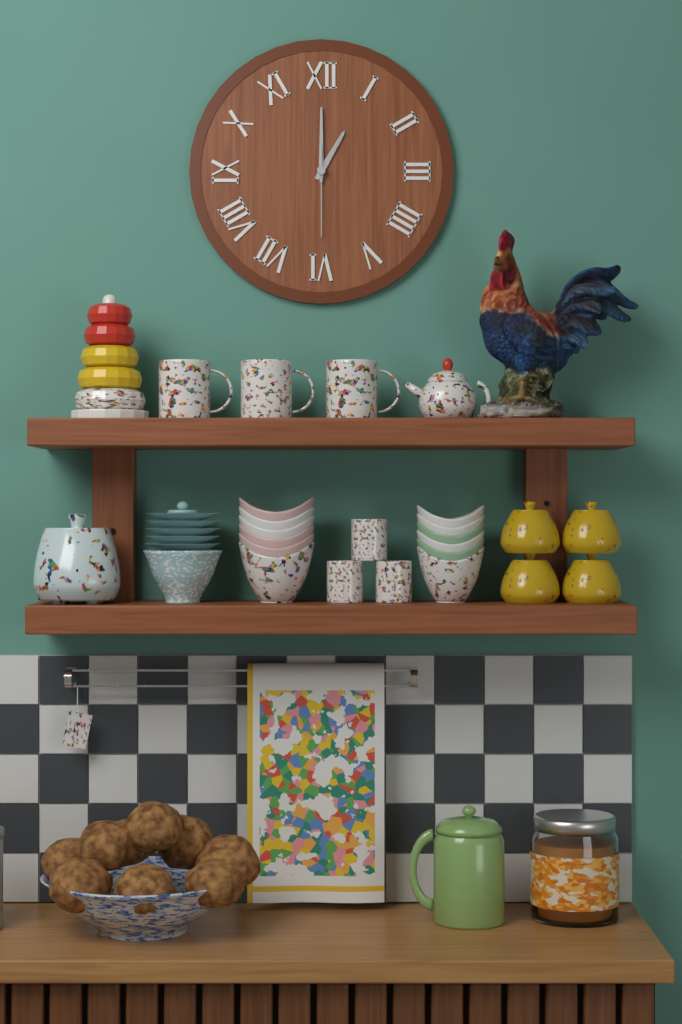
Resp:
1:00:30
